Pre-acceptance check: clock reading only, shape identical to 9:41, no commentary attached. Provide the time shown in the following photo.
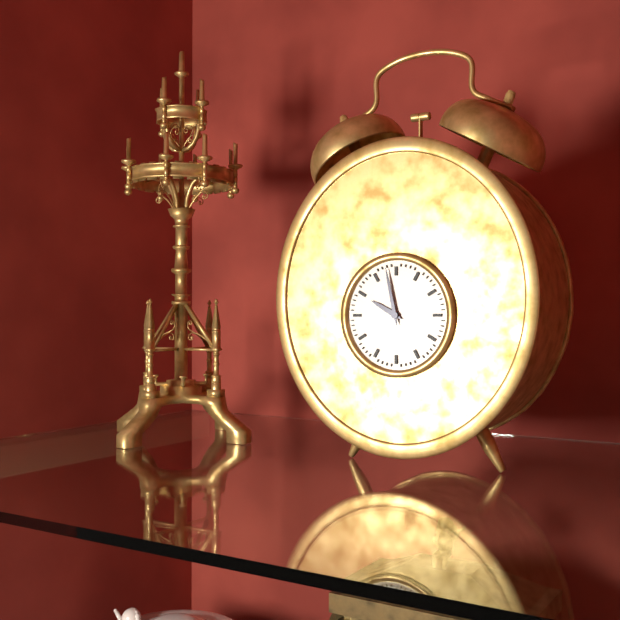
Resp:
9:58
